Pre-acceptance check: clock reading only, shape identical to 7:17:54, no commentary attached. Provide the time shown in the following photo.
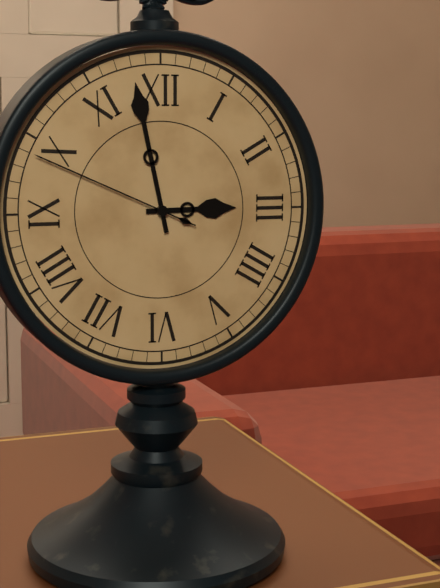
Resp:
2:58:49
